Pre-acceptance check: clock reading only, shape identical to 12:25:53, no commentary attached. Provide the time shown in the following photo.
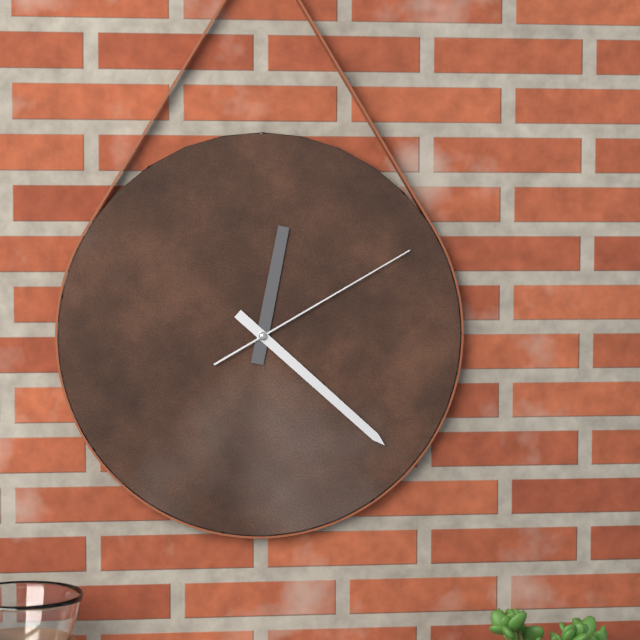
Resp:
12:22:10
